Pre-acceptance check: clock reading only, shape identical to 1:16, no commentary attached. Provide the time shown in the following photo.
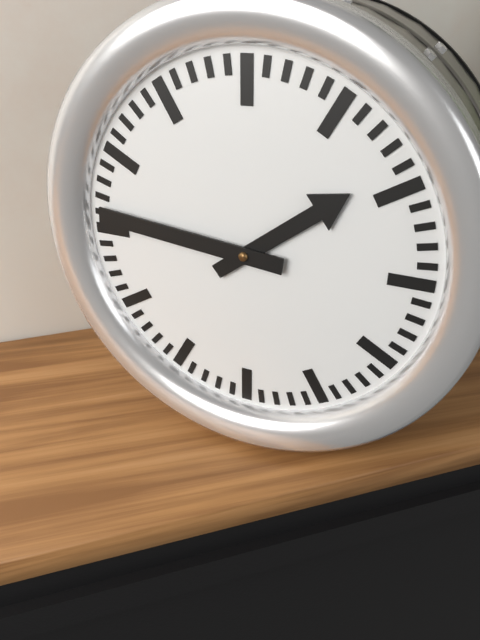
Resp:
1:46
